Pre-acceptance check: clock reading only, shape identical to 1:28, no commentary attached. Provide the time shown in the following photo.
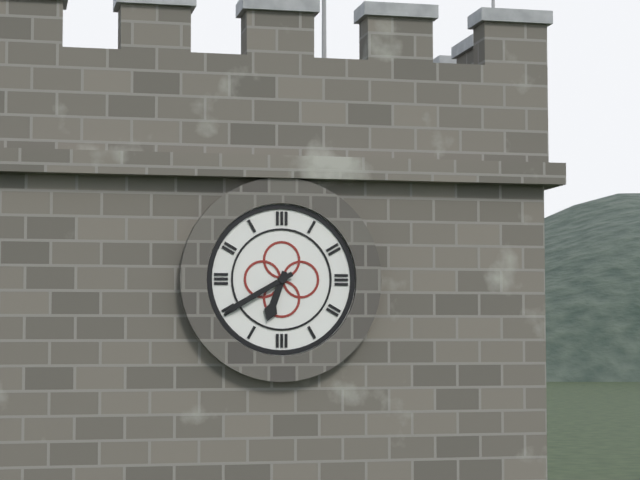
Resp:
6:40
